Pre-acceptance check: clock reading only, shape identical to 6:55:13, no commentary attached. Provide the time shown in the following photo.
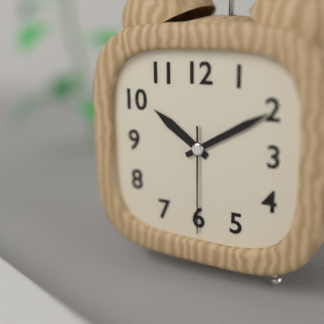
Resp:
10:10:30
